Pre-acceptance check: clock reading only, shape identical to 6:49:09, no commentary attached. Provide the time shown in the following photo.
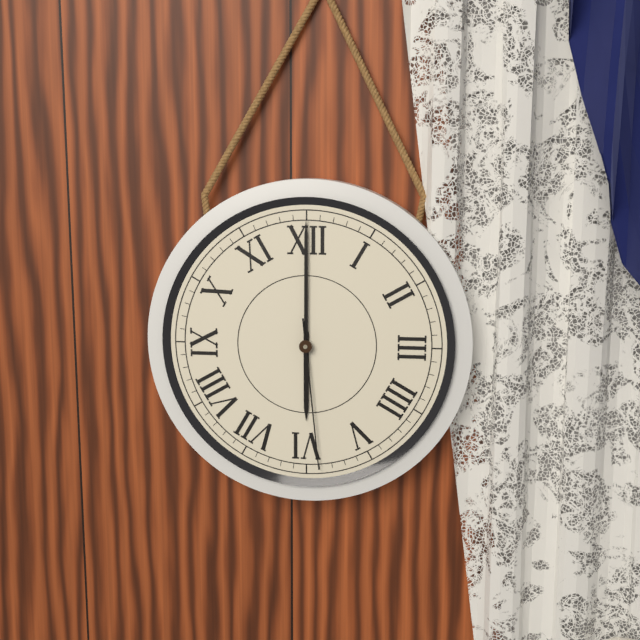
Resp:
6:00:29
